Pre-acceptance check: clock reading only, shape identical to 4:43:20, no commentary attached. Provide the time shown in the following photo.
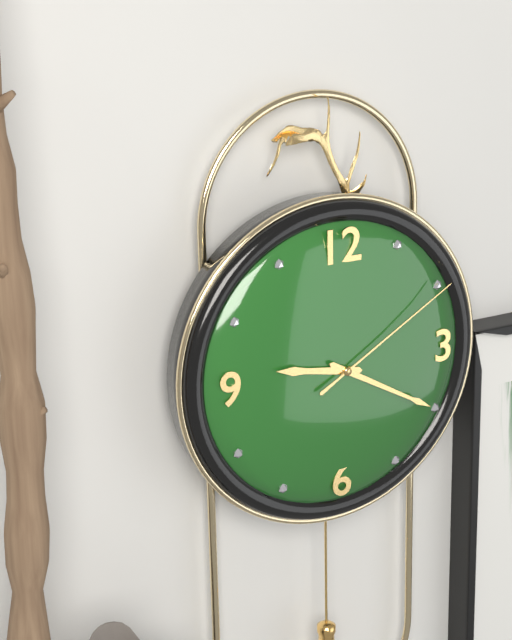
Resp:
9:20:10
